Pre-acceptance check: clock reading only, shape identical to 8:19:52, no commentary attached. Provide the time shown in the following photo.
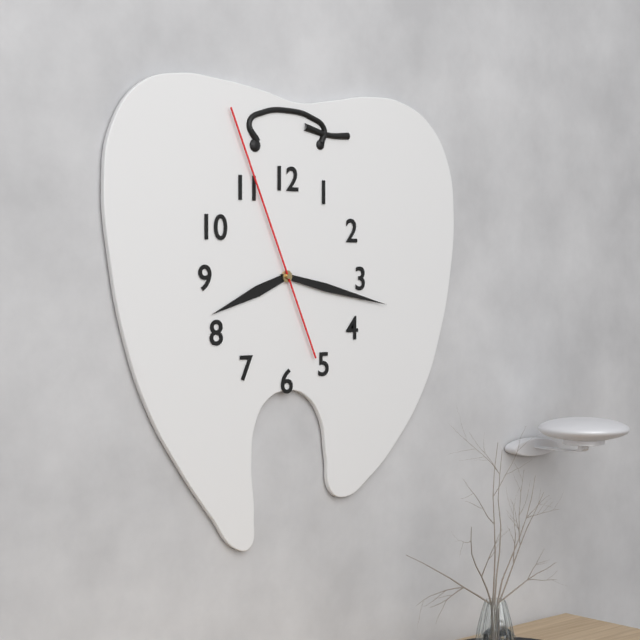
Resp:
8:17:56
